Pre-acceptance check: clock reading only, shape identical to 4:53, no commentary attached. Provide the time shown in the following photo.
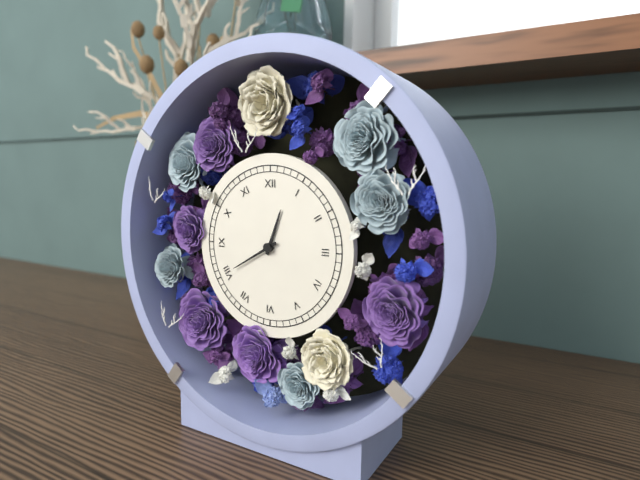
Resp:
12:40
